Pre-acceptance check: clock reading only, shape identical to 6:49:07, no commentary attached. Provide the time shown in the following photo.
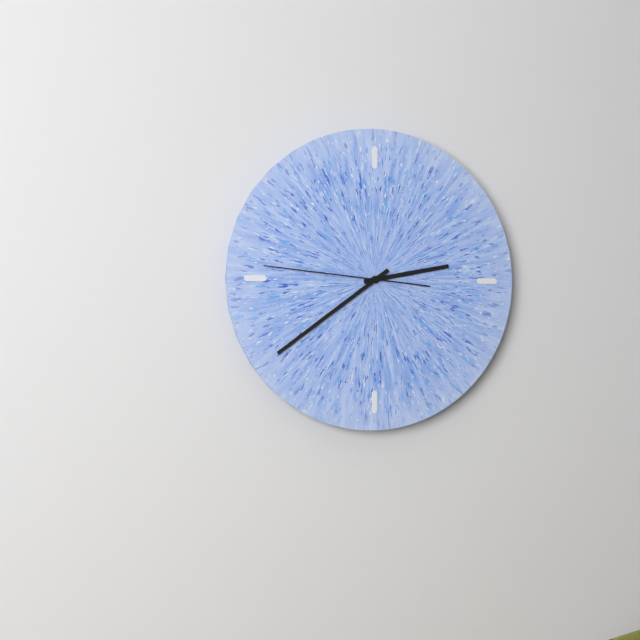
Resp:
2:39:46
